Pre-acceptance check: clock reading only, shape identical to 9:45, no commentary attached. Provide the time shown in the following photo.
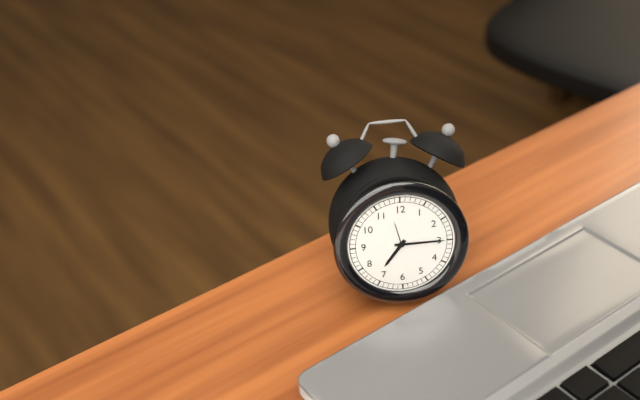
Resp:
7:15
